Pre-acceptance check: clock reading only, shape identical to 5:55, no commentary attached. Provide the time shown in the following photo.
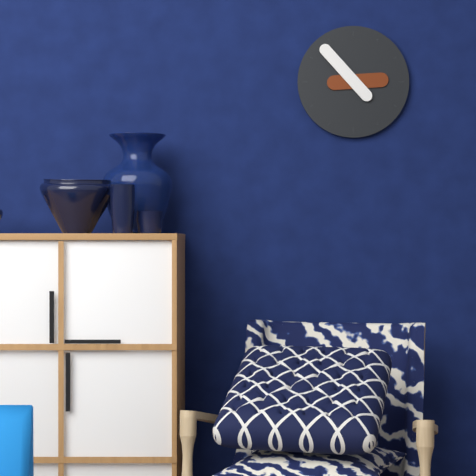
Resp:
2:53
